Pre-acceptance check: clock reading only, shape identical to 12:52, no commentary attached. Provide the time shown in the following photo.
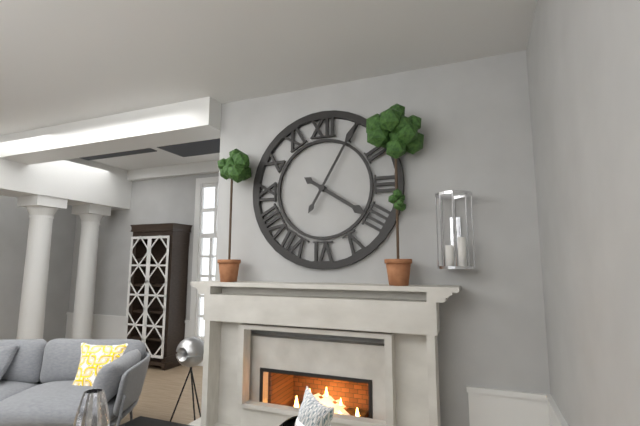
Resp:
4:05
